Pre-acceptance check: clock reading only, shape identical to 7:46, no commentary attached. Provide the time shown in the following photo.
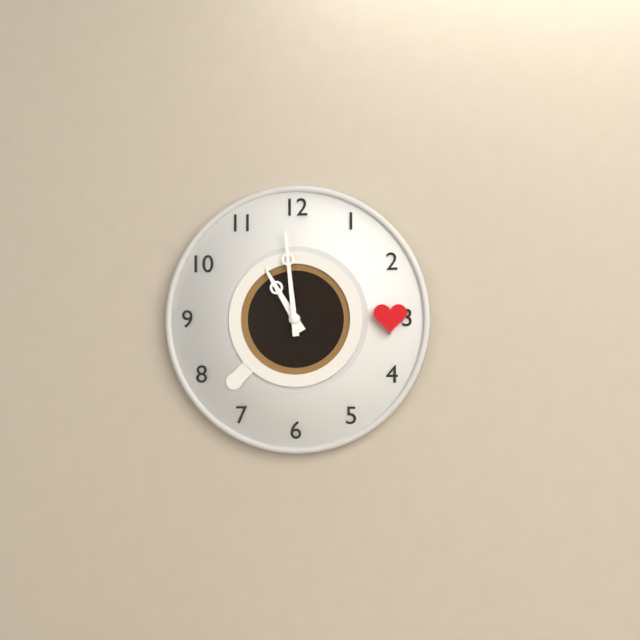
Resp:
10:59
